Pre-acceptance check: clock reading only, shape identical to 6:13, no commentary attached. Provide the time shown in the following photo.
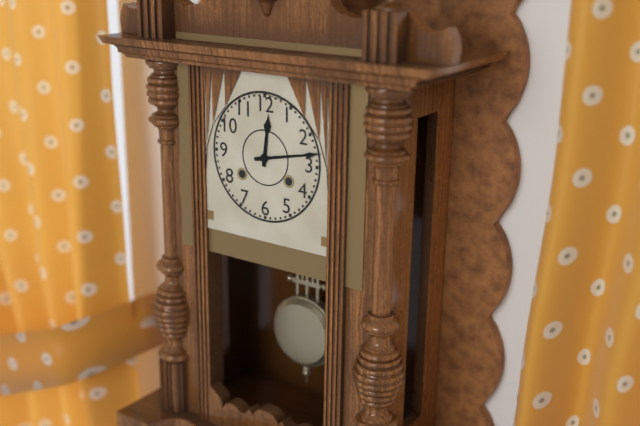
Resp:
12:13
